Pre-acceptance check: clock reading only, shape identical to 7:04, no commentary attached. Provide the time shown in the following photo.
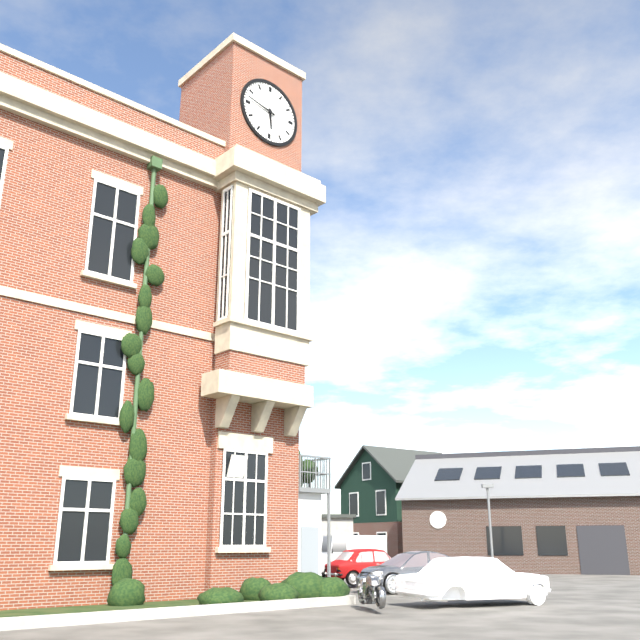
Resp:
5:47
